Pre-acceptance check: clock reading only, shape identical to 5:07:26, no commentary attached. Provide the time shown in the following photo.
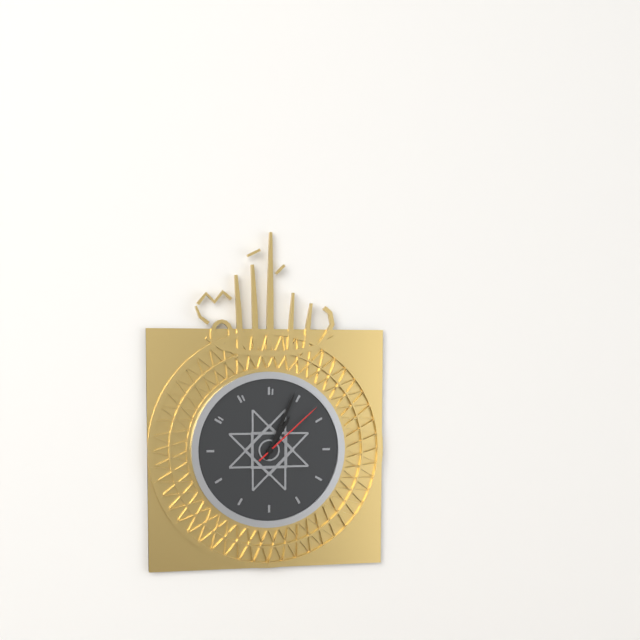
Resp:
1:04:08
